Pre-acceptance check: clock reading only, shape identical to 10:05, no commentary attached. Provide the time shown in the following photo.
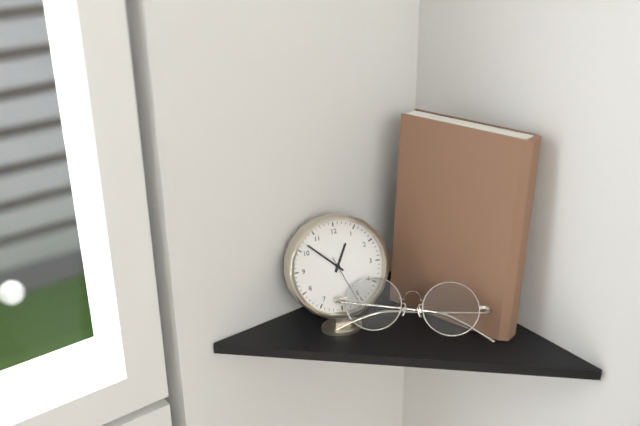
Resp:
12:52
